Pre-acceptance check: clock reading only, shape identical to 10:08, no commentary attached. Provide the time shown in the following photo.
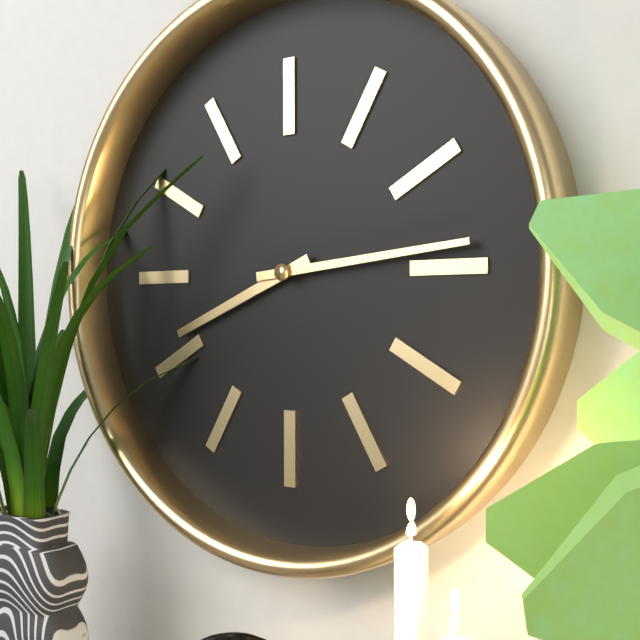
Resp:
8:14
